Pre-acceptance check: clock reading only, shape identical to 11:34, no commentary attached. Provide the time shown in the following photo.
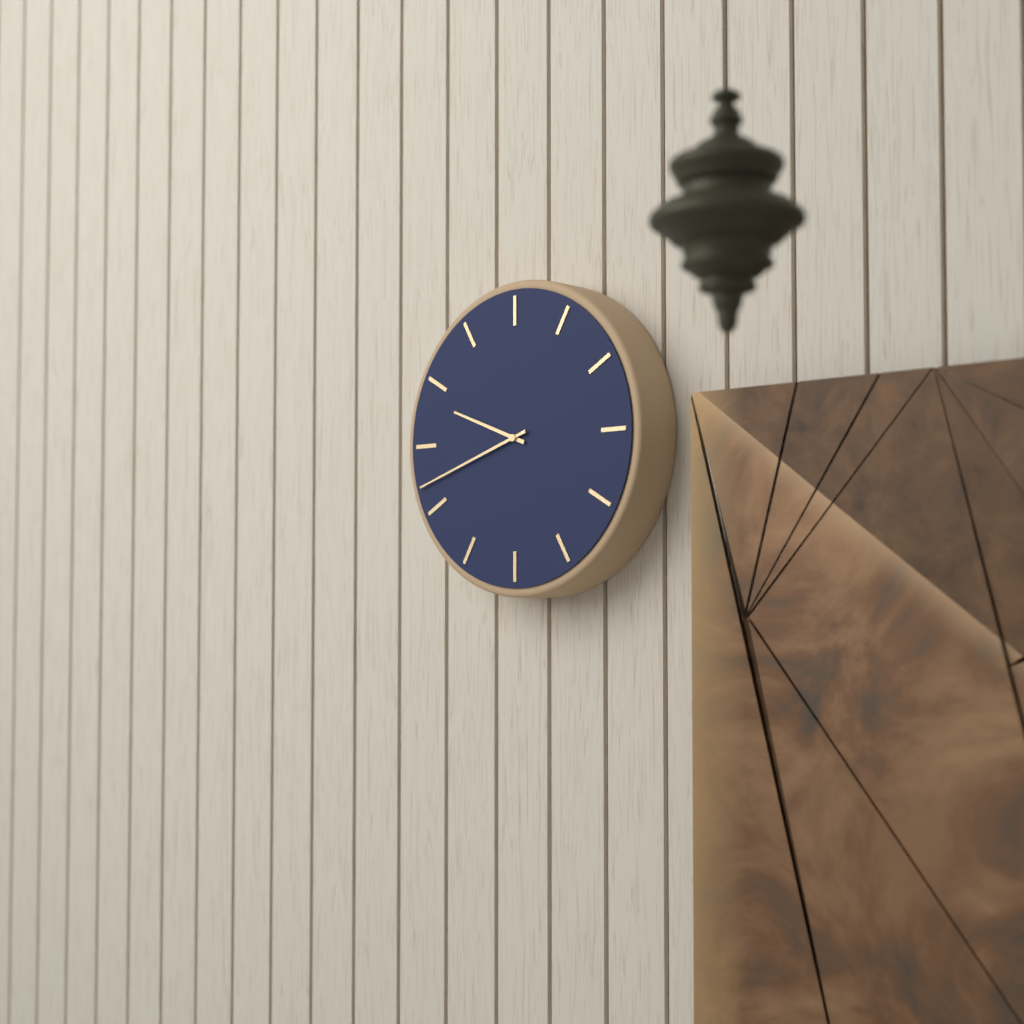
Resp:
9:42
